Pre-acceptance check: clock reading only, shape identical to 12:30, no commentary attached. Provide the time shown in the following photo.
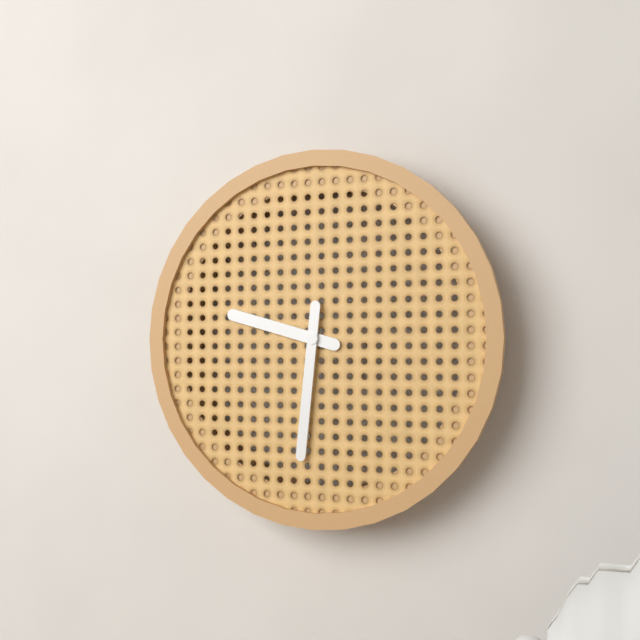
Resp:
9:31
